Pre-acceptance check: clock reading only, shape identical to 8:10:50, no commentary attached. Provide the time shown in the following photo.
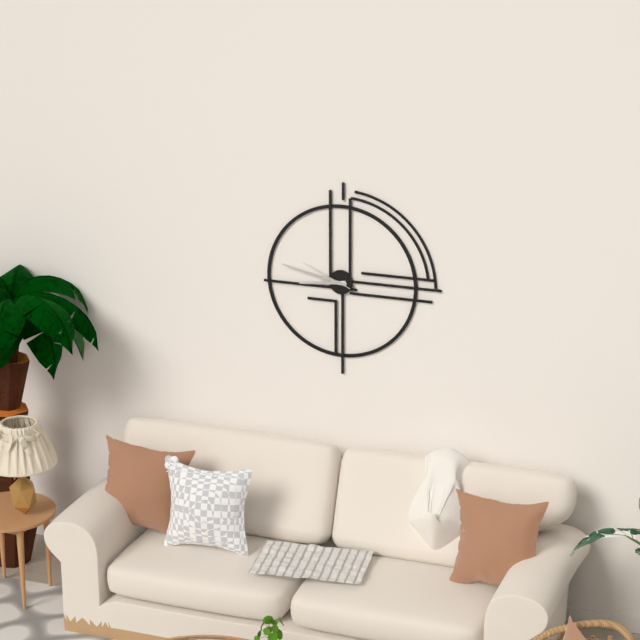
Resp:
8:47:49
